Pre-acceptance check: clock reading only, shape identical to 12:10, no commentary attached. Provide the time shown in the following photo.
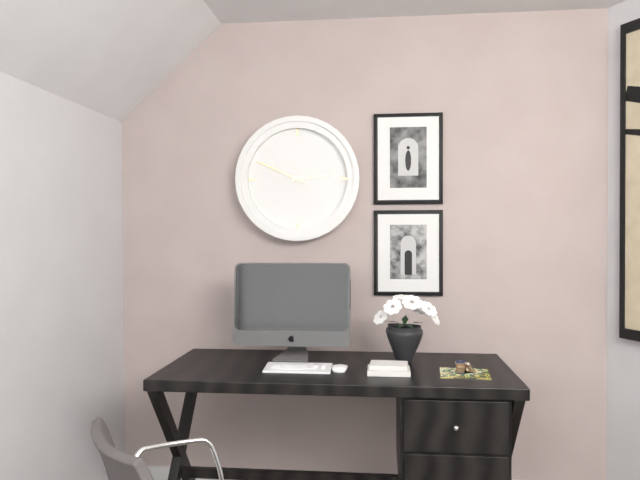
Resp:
2:49
